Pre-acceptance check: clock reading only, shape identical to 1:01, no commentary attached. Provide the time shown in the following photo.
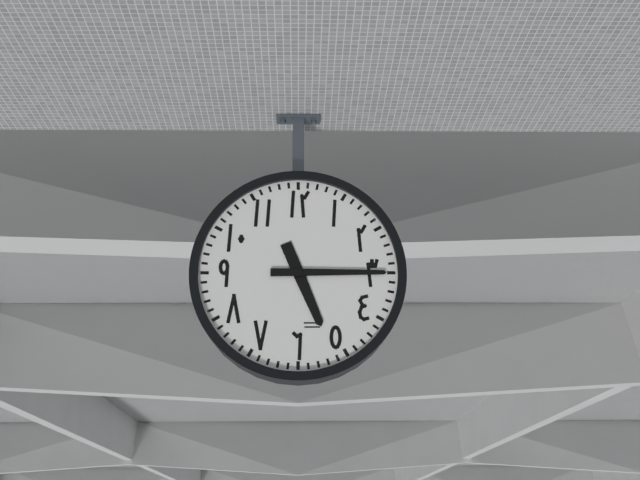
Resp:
5:15
